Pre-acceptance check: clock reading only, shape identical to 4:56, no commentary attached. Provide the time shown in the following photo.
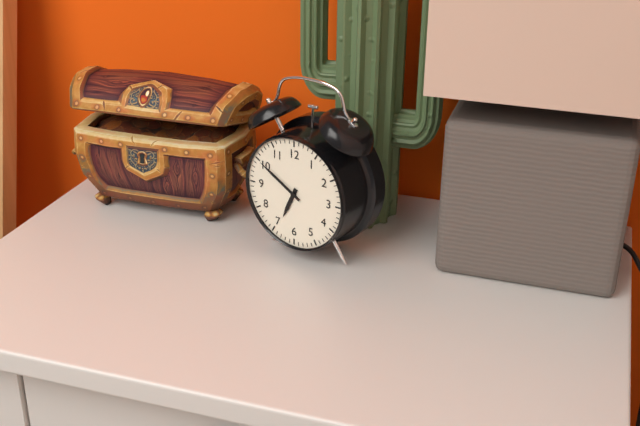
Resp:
6:50
